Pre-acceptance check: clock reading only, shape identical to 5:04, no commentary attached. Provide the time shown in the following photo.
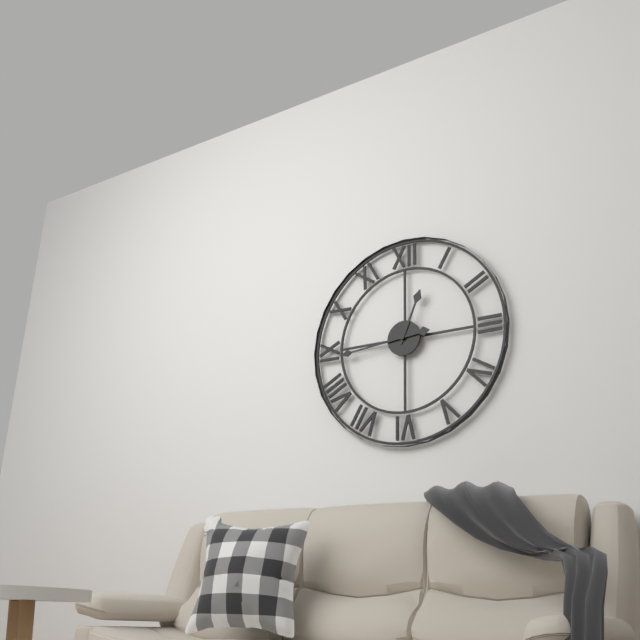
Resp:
12:44
